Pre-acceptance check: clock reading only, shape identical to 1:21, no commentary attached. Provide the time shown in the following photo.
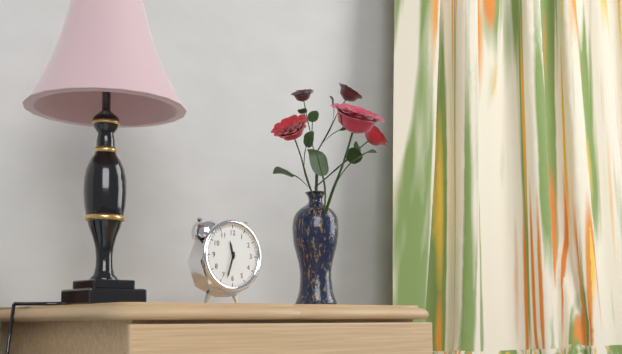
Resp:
11:33
